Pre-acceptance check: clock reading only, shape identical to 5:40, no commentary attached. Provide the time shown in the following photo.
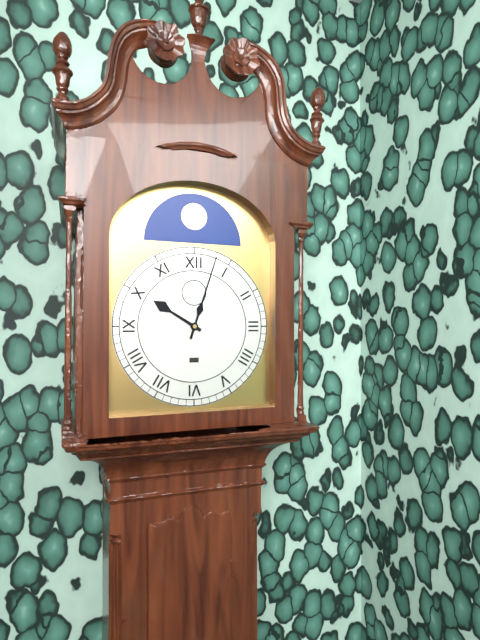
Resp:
10:03
